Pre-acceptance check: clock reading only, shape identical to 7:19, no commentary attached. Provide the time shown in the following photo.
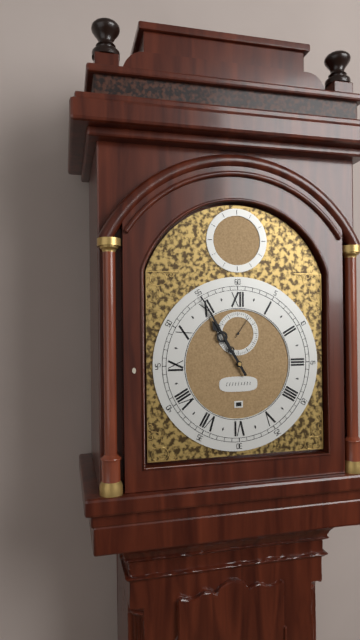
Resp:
10:55
